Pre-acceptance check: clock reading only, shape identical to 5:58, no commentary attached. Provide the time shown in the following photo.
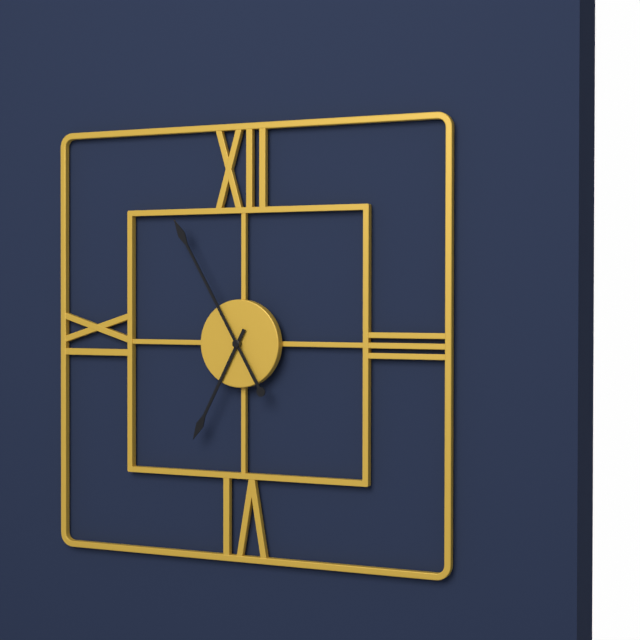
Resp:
6:55
